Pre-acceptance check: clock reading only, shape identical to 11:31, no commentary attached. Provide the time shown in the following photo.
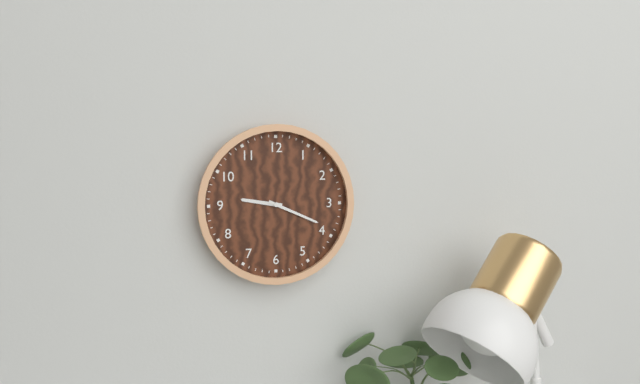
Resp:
9:19
